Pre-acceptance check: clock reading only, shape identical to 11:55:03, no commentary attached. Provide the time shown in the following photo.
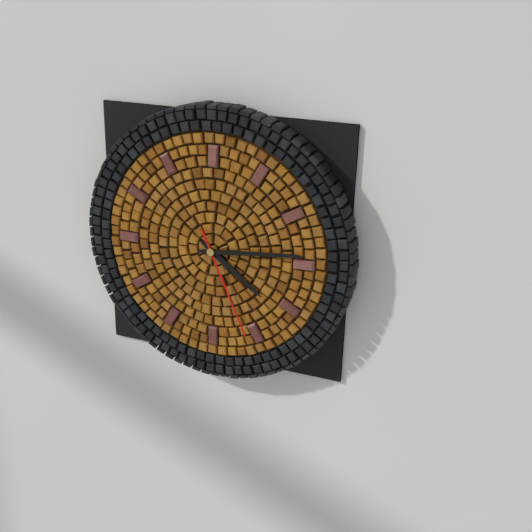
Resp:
4:14:26
